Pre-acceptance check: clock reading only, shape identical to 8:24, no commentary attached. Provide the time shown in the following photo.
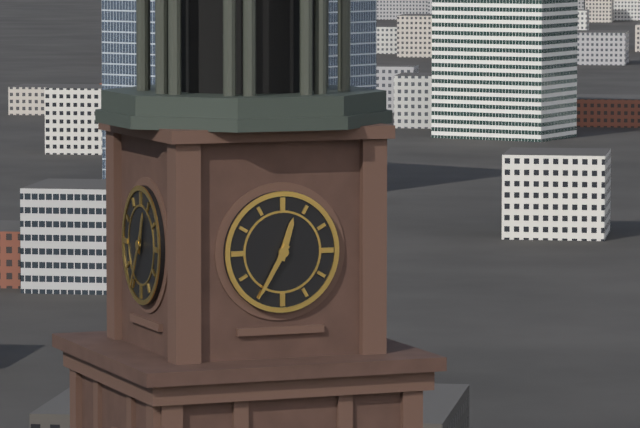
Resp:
12:35
